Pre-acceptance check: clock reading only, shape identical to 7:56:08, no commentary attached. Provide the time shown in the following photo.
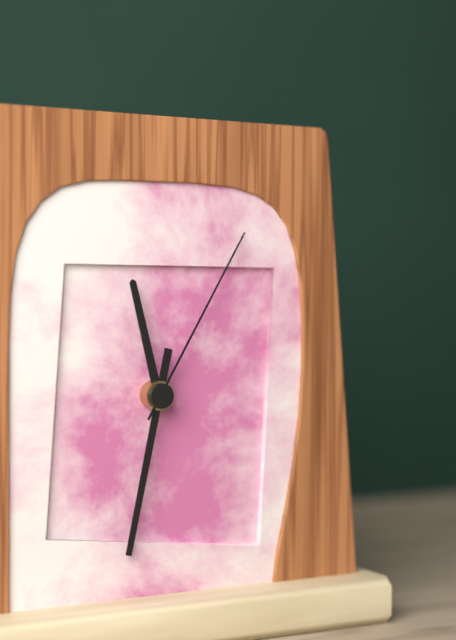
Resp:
11:32:05
